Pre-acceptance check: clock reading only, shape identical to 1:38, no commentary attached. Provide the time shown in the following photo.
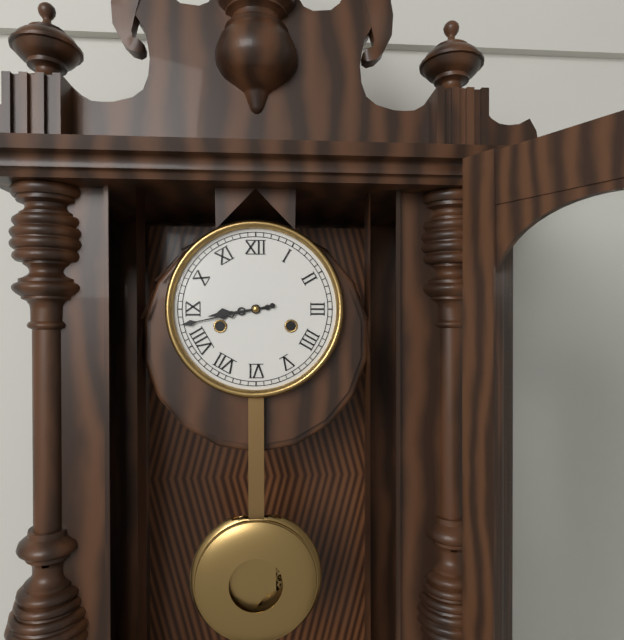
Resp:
8:43
